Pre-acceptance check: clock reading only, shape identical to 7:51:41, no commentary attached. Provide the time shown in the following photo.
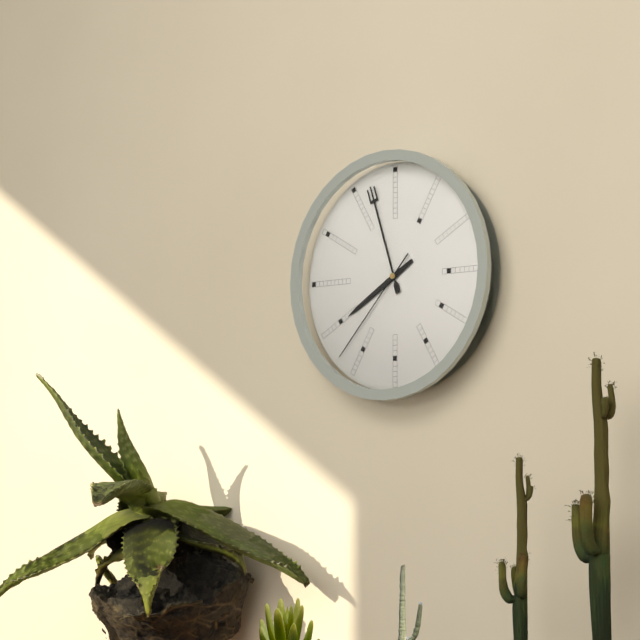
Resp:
7:57:37
